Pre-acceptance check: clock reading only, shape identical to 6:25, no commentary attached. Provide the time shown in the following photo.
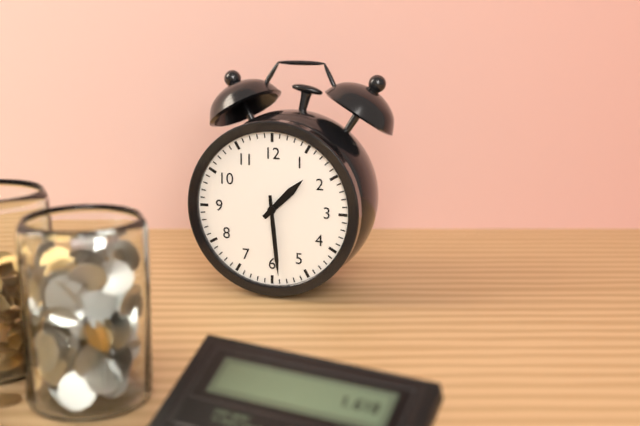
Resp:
1:29
